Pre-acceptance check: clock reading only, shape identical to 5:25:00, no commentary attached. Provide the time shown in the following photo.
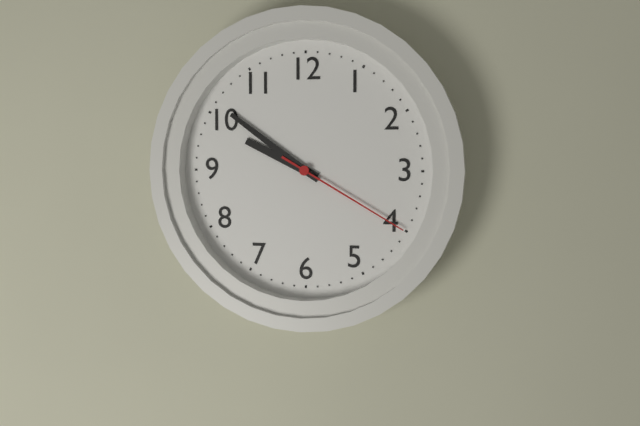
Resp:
9:51:20
